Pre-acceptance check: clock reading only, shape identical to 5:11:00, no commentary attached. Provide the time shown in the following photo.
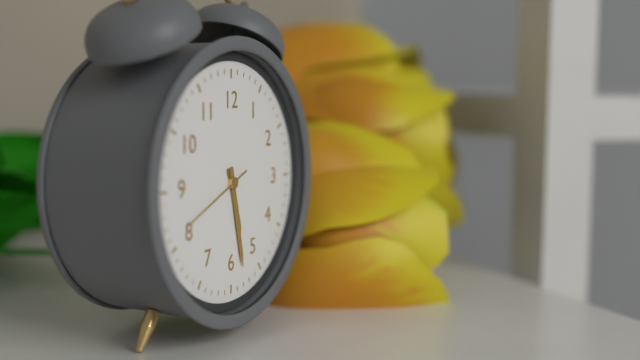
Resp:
5:28:41
